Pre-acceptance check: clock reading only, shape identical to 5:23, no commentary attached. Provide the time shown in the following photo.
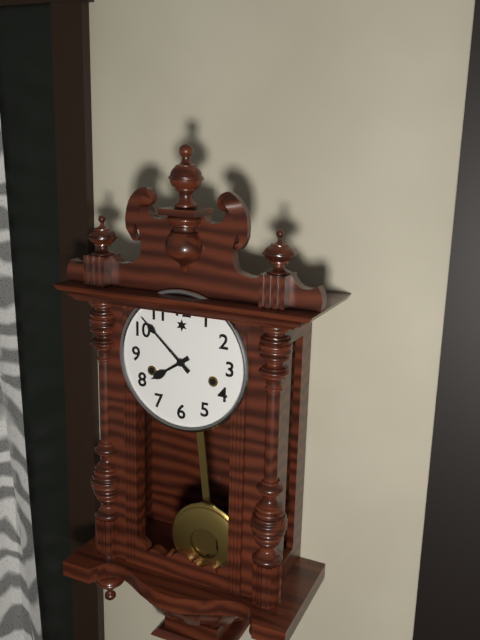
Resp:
7:52
